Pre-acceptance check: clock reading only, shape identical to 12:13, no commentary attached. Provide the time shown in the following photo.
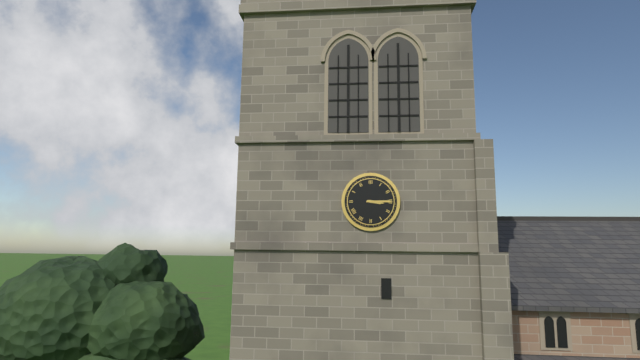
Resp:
3:15
